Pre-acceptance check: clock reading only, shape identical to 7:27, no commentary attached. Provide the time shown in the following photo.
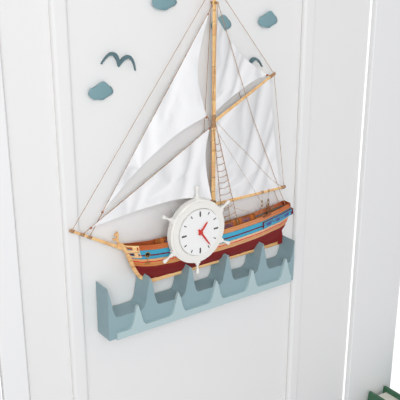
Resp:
1:24
